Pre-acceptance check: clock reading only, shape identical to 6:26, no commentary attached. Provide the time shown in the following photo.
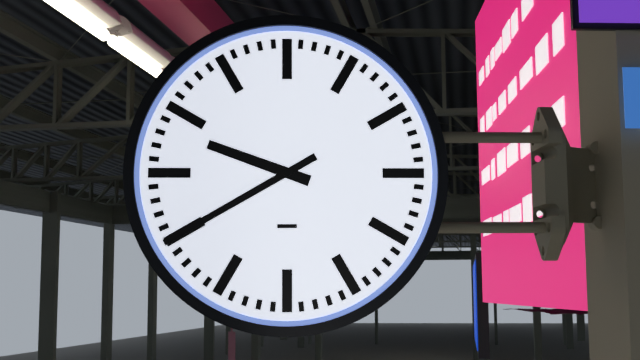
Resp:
9:40
